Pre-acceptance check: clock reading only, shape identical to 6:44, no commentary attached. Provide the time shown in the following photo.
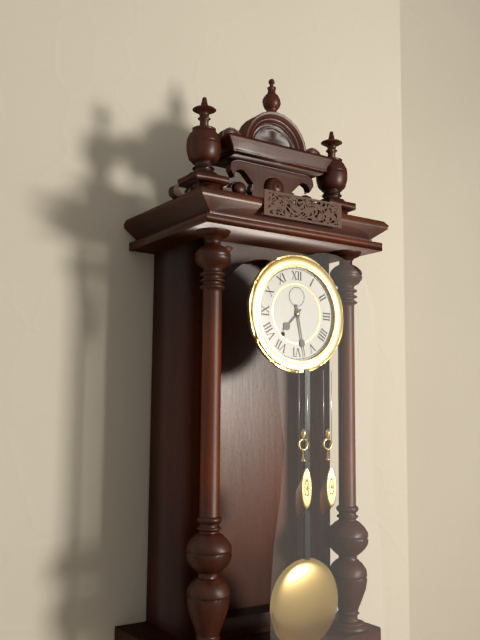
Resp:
7:28
